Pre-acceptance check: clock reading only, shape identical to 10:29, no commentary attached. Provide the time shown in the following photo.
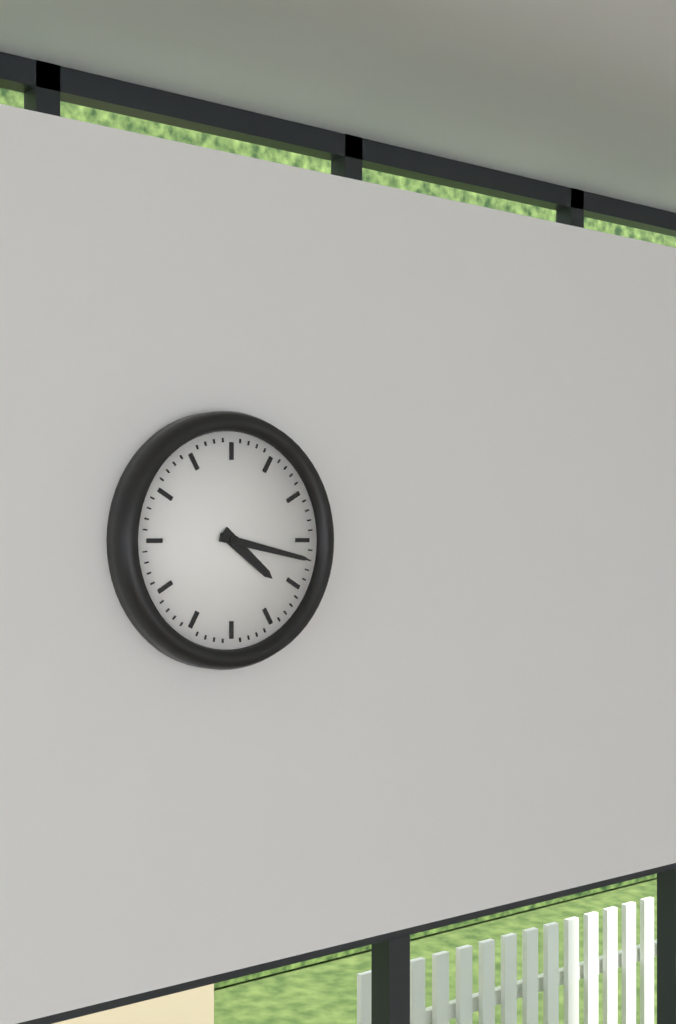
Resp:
4:17
